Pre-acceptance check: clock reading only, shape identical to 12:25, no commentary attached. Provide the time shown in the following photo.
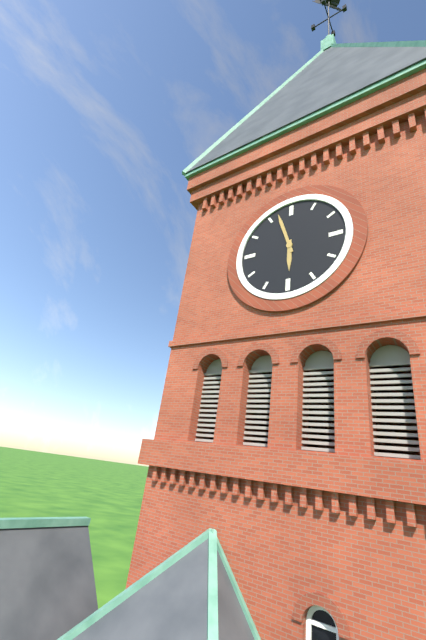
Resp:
5:57
